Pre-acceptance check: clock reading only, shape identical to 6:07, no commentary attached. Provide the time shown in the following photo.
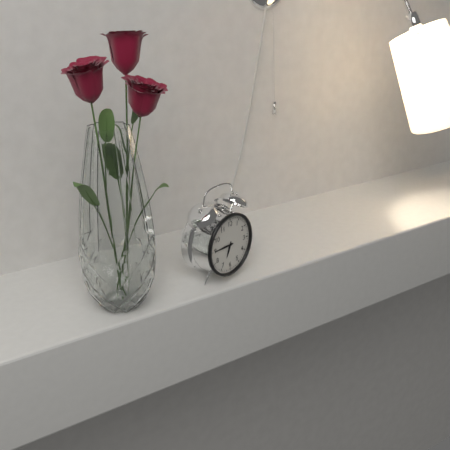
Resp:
6:45
